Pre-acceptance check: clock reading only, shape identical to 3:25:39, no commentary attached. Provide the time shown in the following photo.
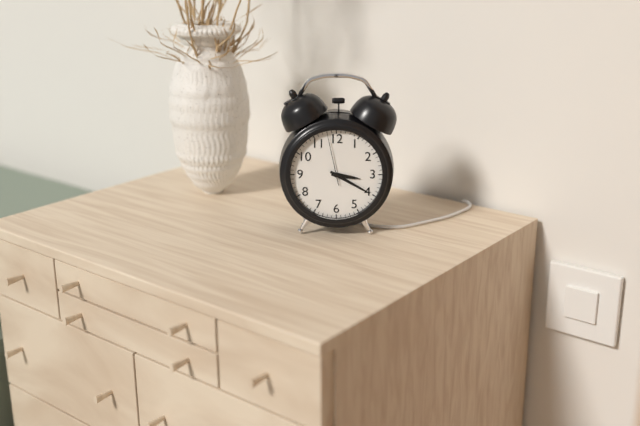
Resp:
3:20:58
